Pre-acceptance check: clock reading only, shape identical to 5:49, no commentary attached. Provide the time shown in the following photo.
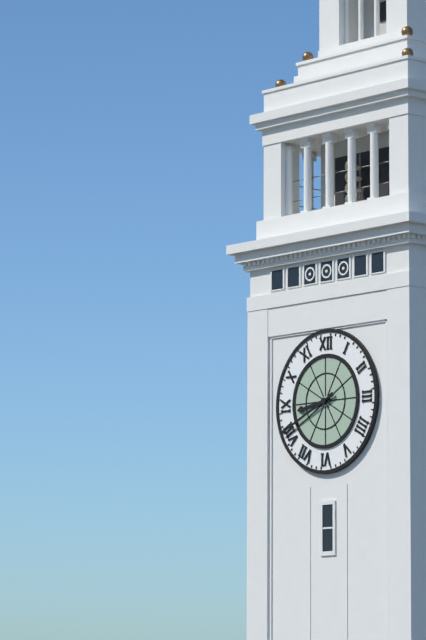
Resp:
8:41
